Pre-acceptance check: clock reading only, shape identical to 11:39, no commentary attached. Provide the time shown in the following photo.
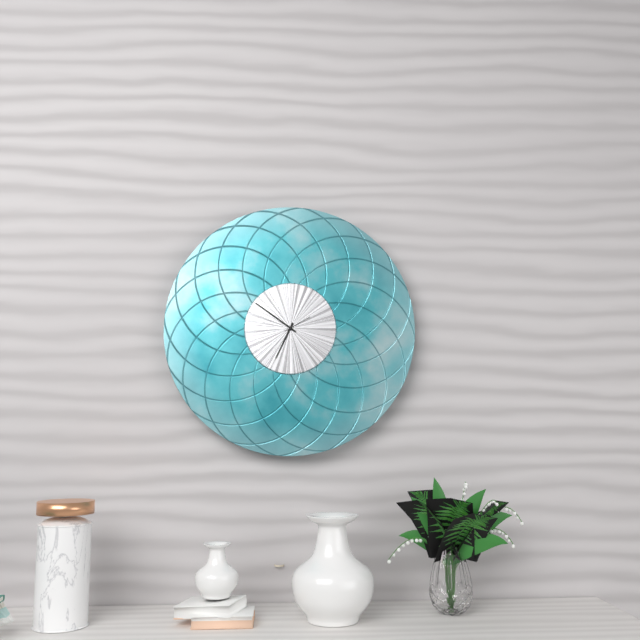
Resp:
6:51
